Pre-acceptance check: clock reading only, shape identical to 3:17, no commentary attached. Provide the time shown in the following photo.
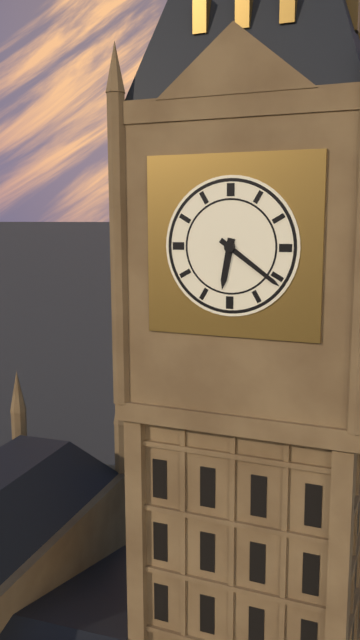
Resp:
6:21
